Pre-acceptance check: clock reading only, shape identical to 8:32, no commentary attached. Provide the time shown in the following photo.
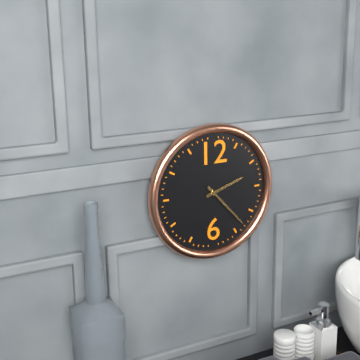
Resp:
2:23
